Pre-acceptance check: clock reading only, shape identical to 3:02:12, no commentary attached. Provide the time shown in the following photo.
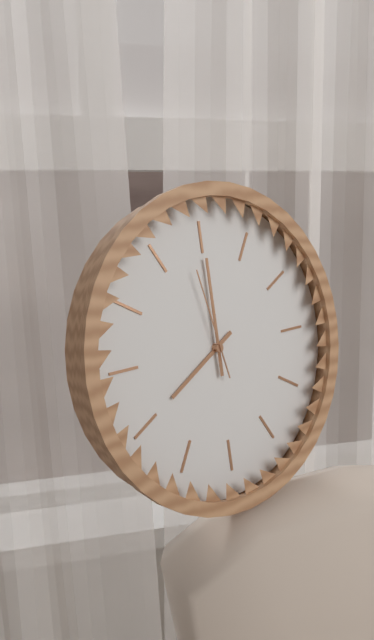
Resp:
8:00:58
